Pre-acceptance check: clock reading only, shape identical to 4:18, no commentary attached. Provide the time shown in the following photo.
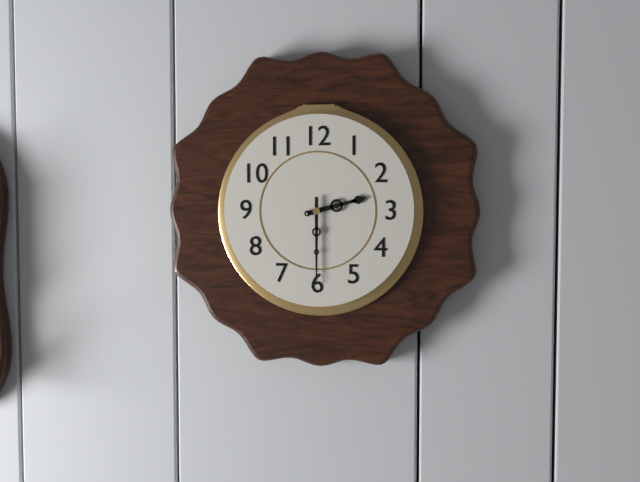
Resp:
2:30
